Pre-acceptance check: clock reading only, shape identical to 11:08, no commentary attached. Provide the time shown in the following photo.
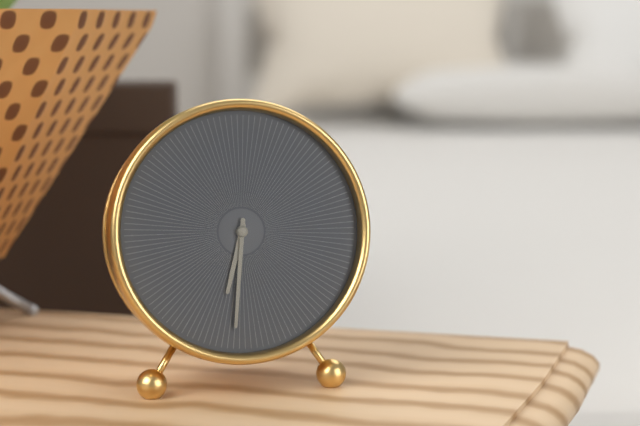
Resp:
6:31
